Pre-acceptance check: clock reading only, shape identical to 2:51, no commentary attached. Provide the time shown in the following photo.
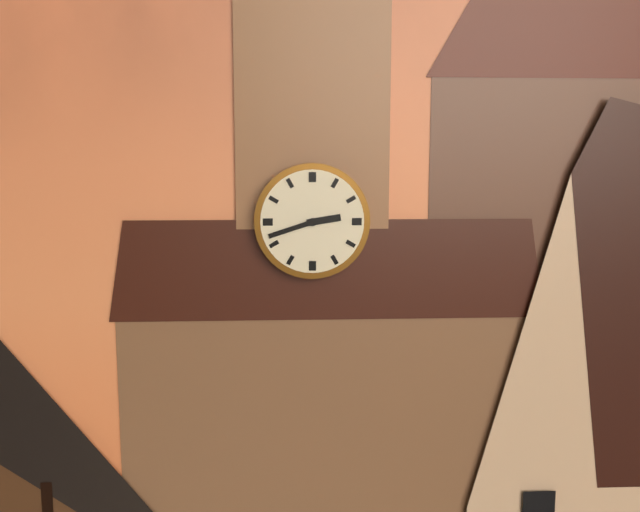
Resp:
2:42
